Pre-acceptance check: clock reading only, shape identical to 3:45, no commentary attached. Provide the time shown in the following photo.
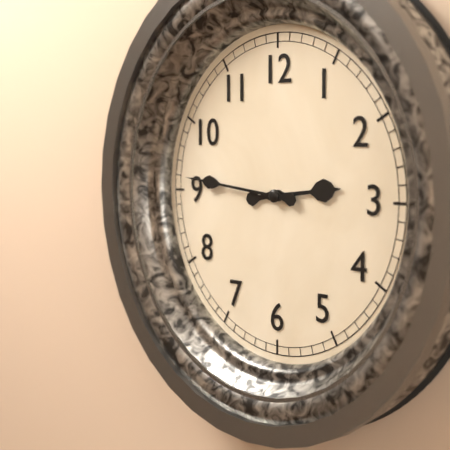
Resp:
2:46
